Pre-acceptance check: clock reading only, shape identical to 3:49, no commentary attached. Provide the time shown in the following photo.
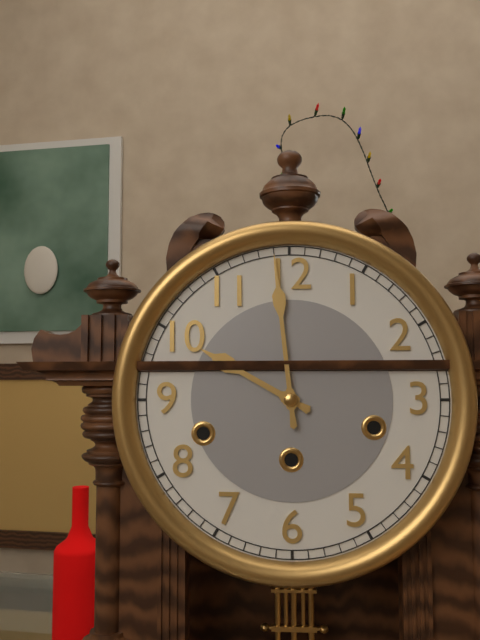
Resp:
9:59
